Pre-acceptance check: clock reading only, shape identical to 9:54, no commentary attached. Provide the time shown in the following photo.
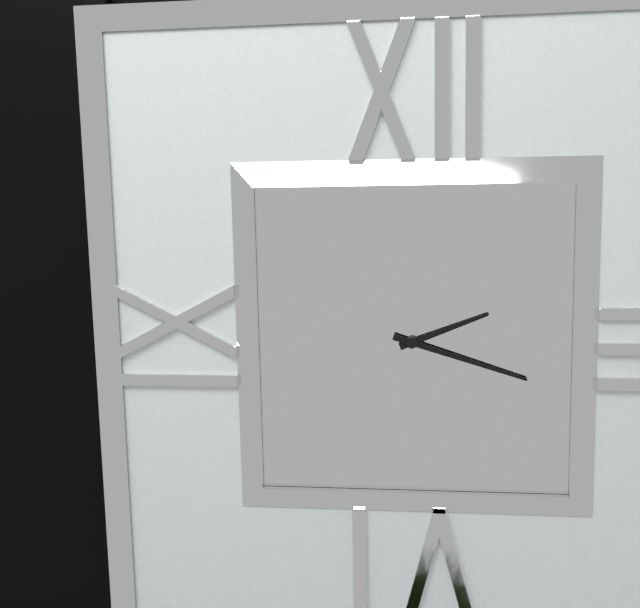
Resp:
2:18
